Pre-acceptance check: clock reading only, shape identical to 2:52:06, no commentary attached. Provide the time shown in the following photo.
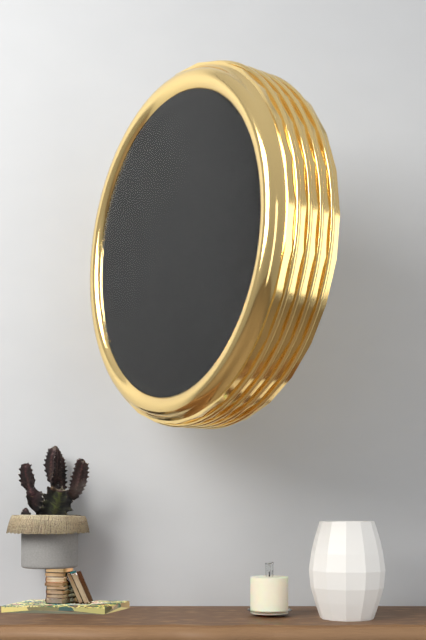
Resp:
11:35:11
